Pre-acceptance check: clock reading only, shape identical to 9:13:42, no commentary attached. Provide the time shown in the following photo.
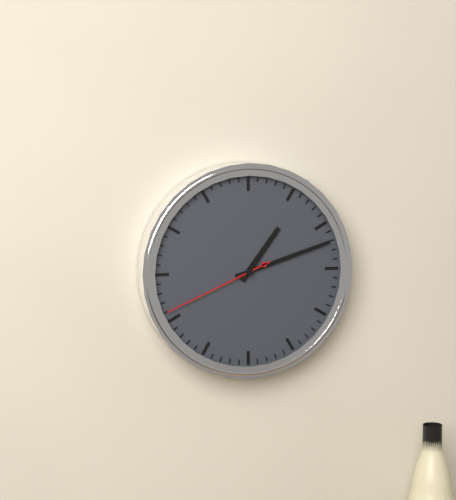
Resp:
1:12:41
